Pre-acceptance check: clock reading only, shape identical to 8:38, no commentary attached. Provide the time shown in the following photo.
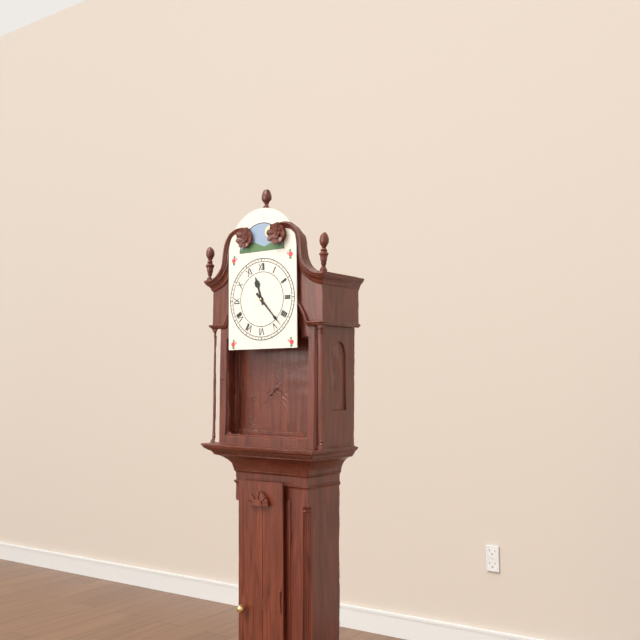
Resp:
11:23
